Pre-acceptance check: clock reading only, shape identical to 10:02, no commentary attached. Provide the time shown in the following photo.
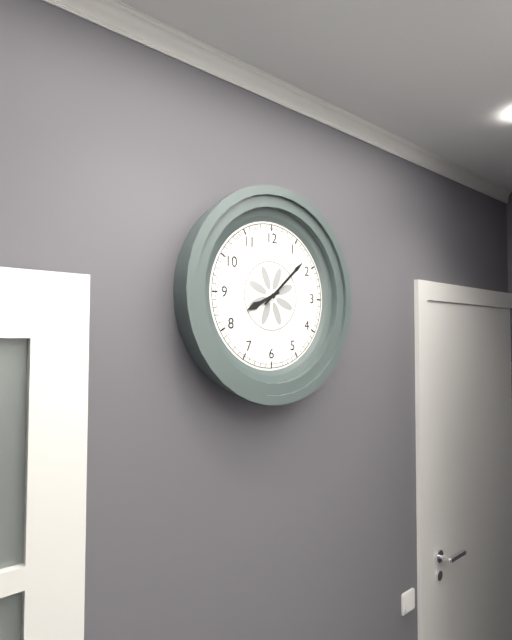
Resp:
8:08
